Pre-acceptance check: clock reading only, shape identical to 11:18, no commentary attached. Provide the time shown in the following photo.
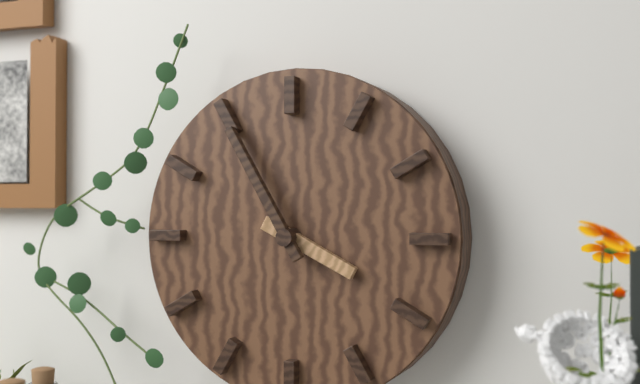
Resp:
3:55
